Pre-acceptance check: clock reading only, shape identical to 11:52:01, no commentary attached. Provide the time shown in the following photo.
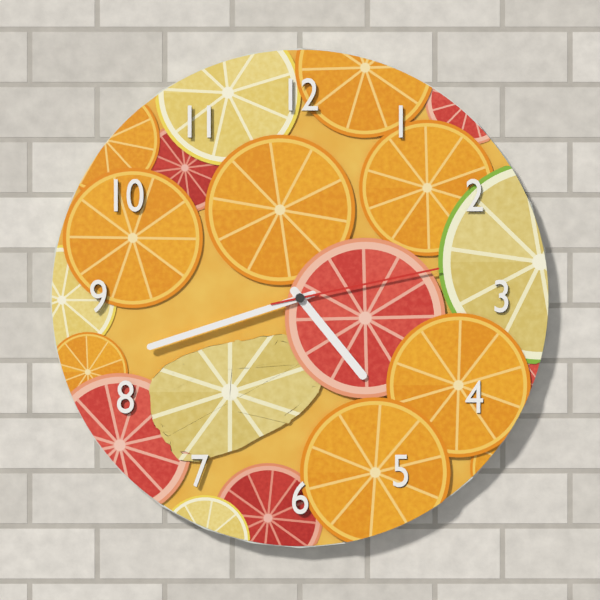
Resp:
4:42:13
